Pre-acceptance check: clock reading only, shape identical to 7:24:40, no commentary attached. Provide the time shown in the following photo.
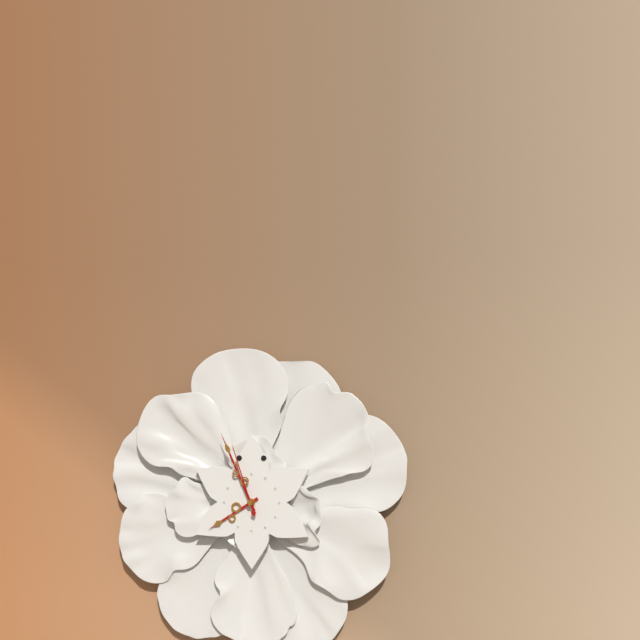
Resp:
7:56:57
